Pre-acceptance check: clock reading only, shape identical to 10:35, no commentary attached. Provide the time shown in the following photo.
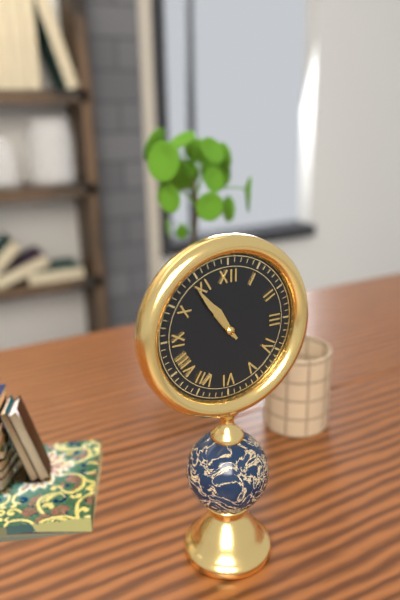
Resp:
10:54
